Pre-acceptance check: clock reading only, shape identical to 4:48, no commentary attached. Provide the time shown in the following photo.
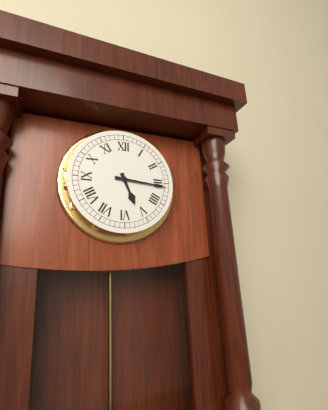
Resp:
5:16
